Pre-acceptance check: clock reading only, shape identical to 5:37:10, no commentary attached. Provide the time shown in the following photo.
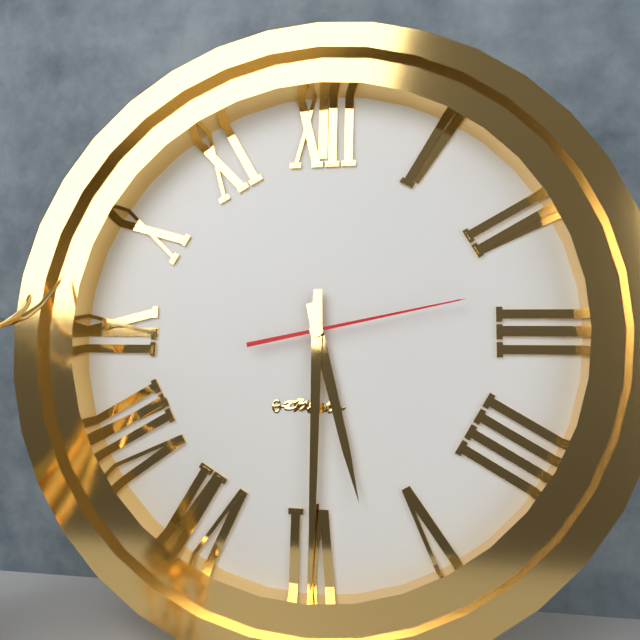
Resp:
5:30:13
